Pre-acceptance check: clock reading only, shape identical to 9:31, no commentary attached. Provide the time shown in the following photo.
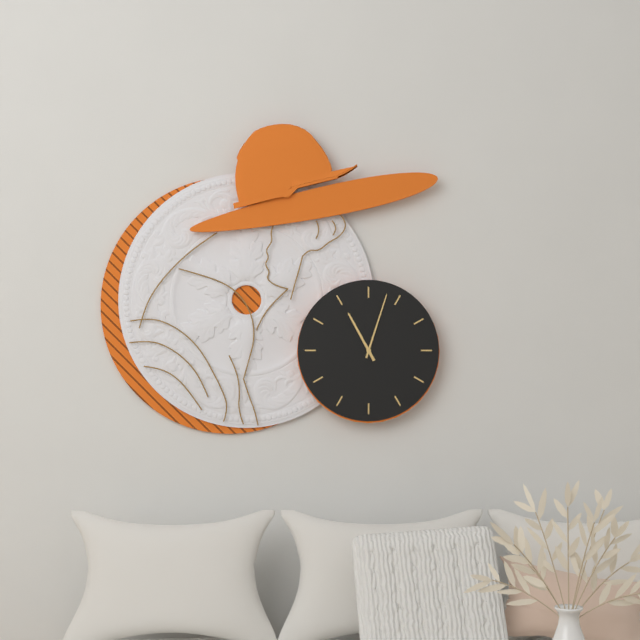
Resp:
11:03
